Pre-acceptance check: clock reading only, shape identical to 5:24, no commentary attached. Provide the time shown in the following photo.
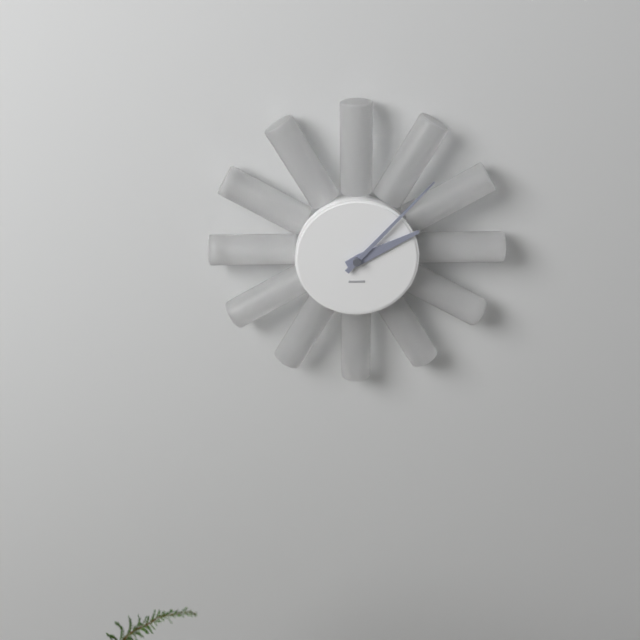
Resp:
2:07
